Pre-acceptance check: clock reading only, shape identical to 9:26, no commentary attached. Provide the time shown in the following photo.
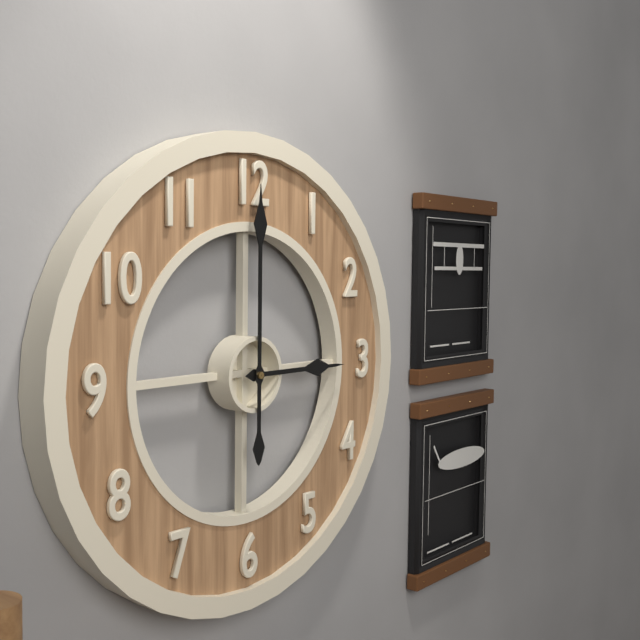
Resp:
3:00
